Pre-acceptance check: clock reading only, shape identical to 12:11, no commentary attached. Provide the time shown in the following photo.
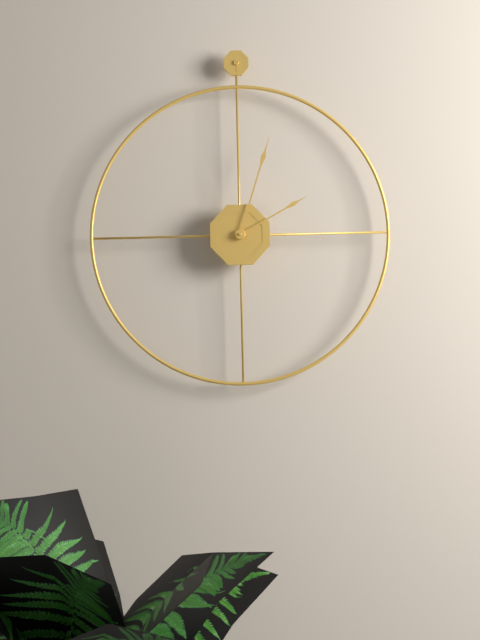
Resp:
2:03
